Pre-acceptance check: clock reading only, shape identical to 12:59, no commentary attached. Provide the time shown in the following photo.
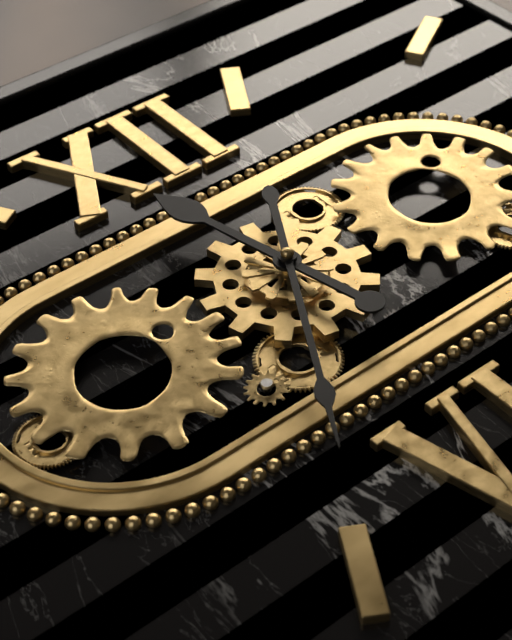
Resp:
11:35
